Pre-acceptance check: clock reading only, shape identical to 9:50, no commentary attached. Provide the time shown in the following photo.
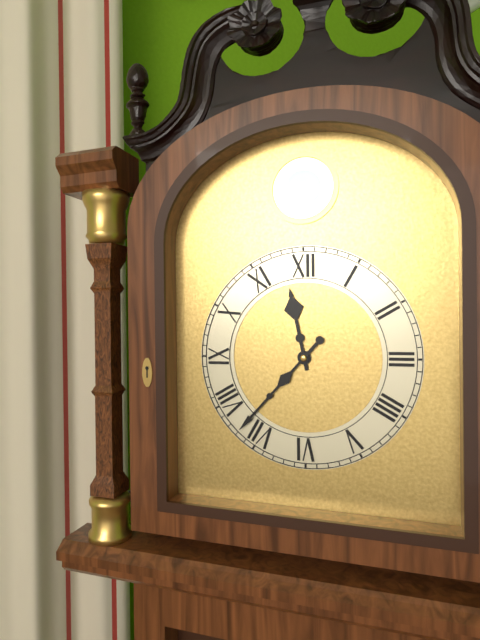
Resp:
11:37
